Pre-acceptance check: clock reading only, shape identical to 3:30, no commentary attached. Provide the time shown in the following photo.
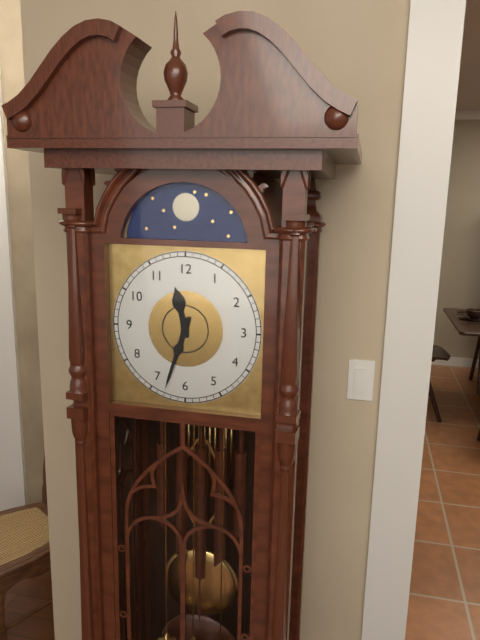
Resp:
11:33
